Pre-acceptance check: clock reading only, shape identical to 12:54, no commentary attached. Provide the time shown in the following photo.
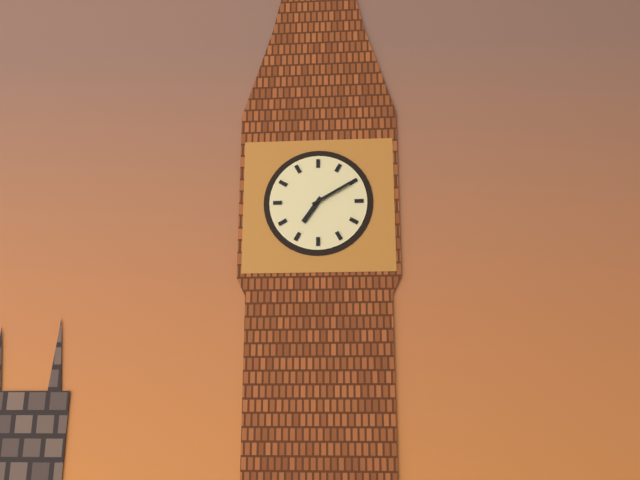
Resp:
7:10
